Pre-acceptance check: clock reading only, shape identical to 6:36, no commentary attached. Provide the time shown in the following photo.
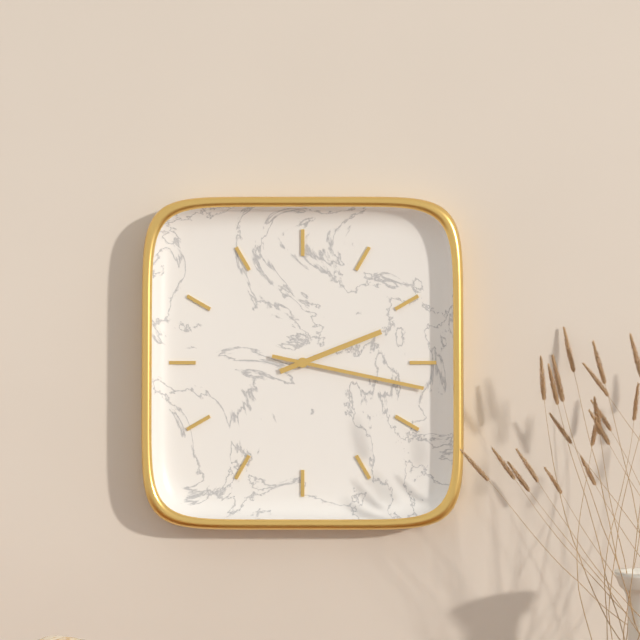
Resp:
2:17
